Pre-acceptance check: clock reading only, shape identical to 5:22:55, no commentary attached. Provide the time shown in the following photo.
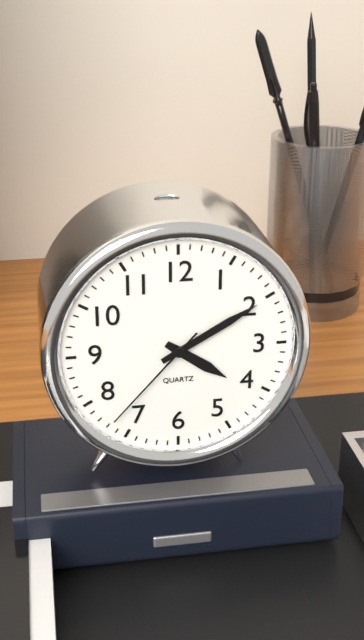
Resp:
4:10:37
